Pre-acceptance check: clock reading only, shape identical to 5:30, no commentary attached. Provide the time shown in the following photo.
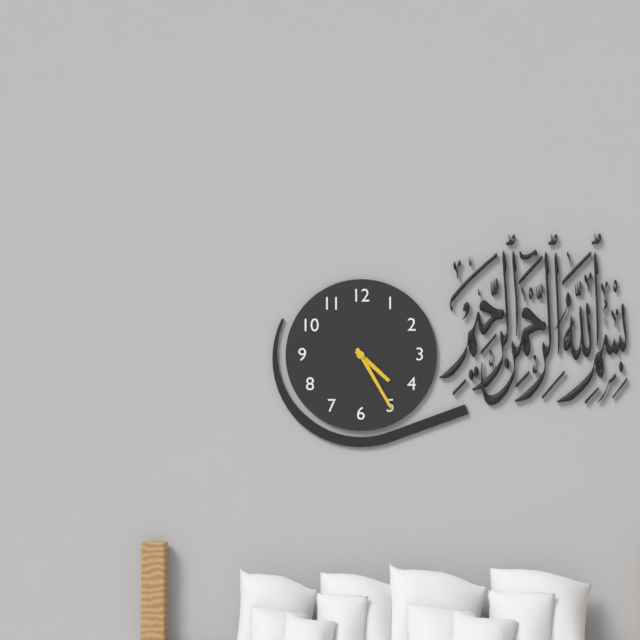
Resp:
4:25
